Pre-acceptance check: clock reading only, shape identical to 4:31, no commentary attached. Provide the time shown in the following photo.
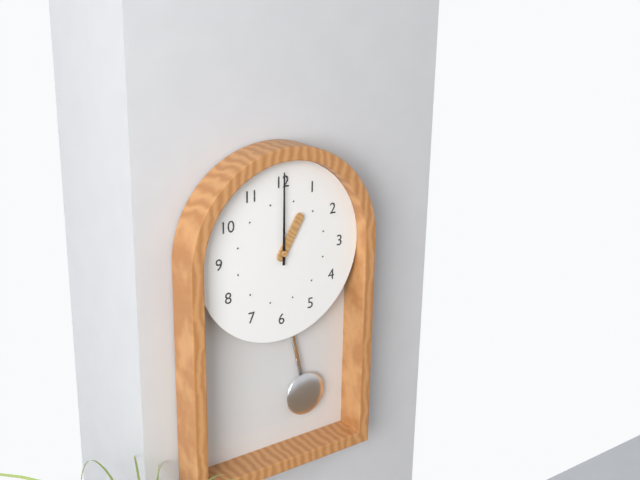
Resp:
1:00
